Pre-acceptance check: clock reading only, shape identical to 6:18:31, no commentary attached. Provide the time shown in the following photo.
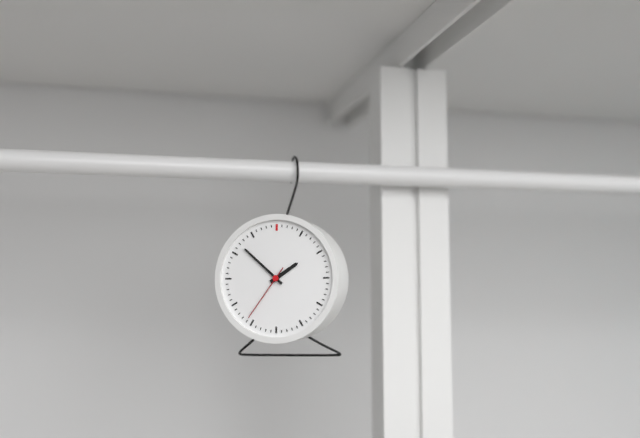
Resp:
1:52:36
